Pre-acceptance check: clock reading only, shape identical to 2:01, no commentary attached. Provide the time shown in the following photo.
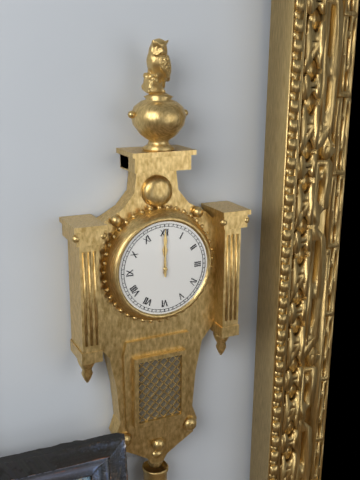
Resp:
12:00
